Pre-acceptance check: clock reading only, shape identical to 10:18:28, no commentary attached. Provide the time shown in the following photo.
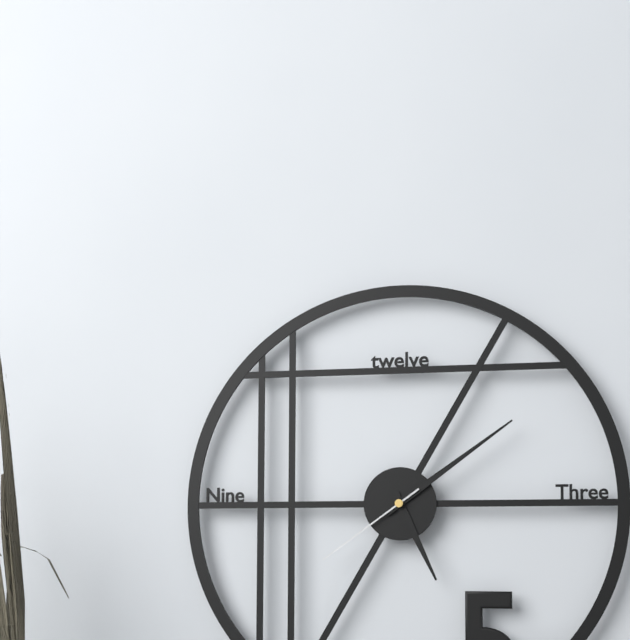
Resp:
5:09:39
